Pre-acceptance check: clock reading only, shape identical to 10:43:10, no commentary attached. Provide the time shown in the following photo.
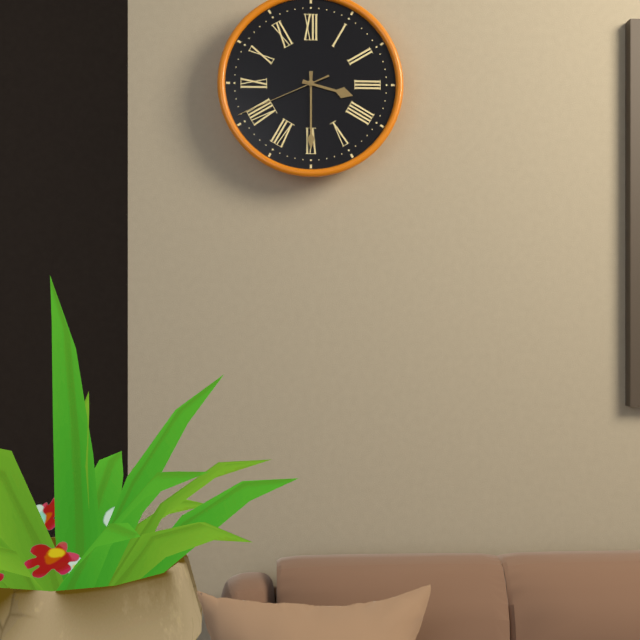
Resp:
3:30:41
